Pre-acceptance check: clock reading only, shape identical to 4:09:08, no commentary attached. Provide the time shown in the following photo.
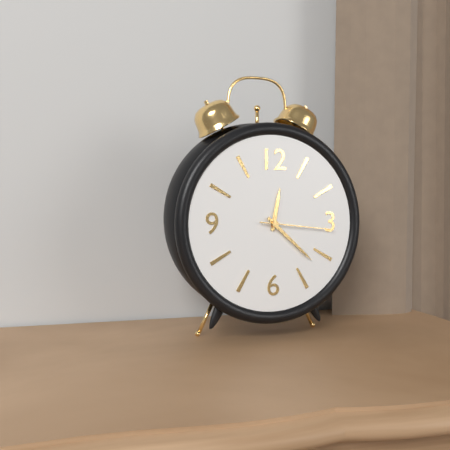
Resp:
12:22:16
